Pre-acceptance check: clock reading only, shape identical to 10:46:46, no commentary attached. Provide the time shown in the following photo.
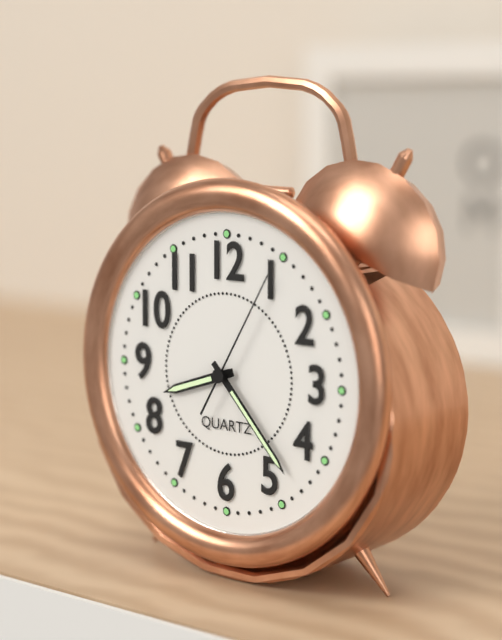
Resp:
8:23:05
